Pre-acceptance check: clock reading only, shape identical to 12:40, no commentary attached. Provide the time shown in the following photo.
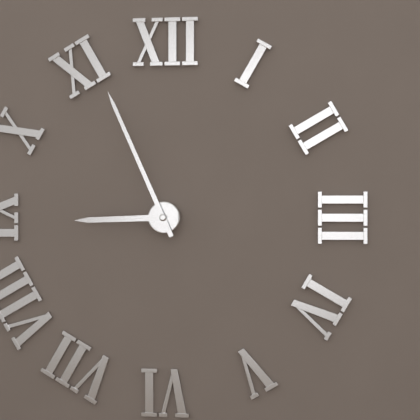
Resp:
8:56
